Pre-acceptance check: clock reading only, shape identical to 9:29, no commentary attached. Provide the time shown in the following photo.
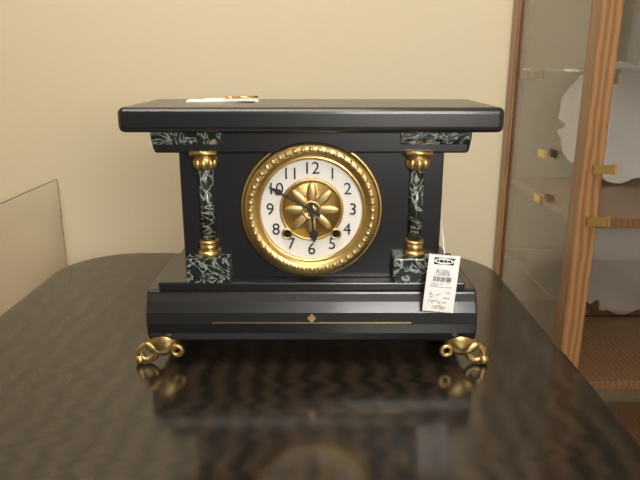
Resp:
5:50
